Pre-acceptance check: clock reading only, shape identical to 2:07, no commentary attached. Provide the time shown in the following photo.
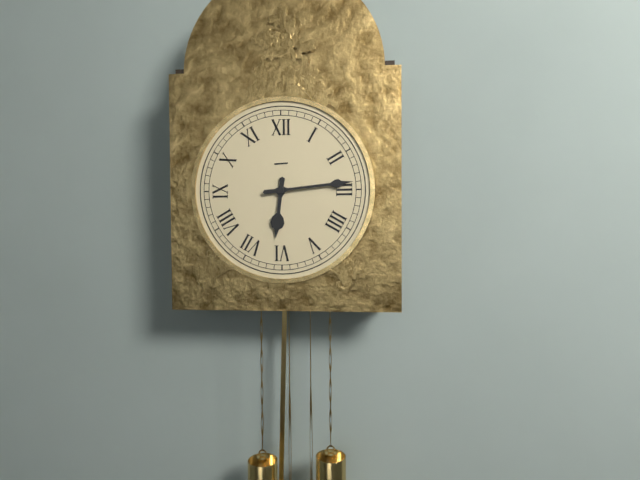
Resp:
6:14
